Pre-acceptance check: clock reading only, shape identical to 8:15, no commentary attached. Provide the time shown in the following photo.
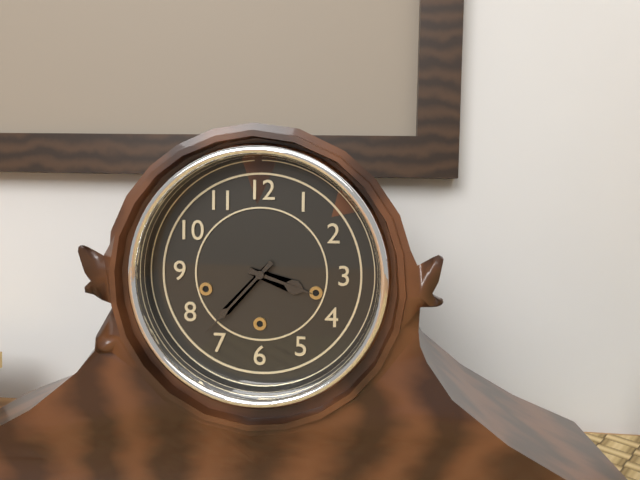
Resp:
3:37
